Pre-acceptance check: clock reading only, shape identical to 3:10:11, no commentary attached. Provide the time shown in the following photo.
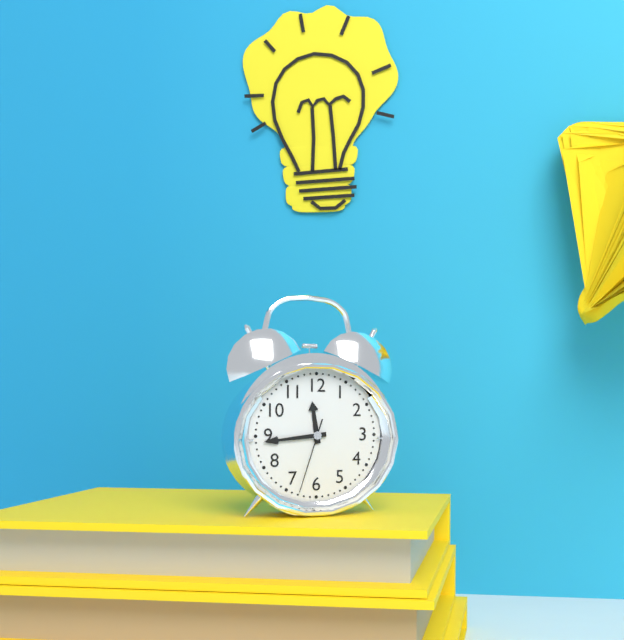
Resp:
11:44:33
